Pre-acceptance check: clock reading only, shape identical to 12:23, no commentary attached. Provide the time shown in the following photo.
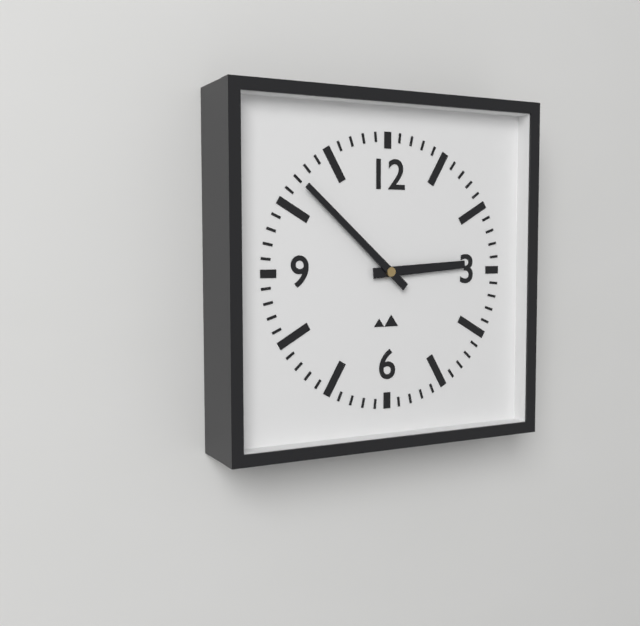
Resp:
2:52
